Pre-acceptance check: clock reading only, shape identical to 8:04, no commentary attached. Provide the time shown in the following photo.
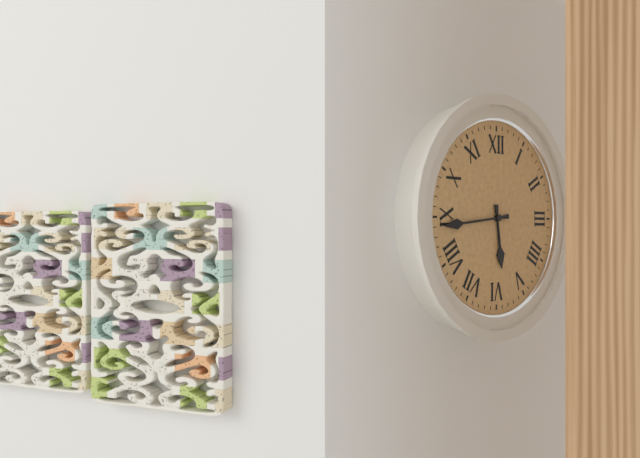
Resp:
5:44
